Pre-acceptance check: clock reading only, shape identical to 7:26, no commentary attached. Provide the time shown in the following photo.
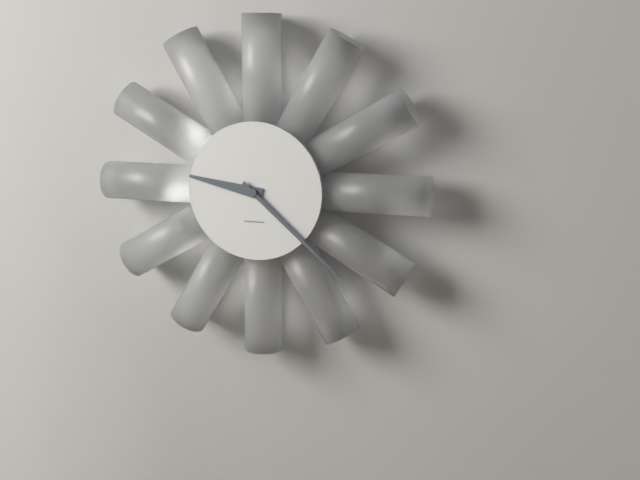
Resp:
9:22
